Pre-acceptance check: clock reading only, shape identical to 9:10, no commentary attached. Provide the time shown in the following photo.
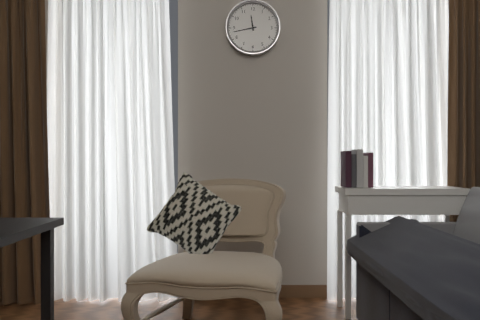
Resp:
11:43
